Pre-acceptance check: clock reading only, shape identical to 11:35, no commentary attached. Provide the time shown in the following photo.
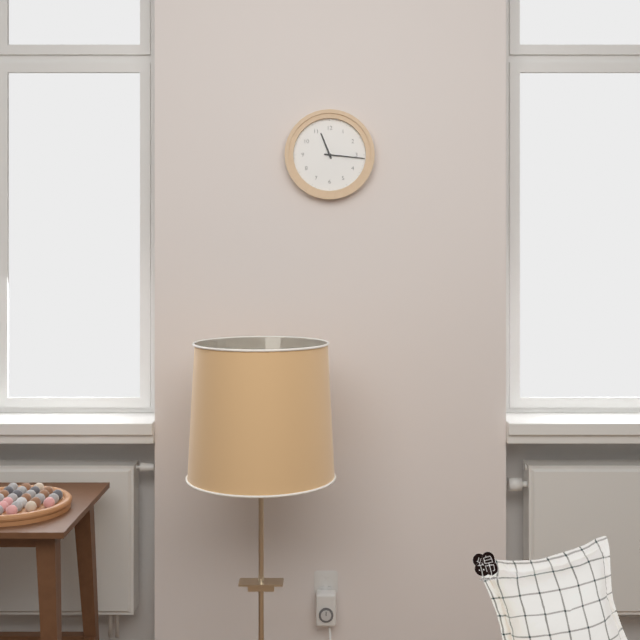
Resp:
11:16
